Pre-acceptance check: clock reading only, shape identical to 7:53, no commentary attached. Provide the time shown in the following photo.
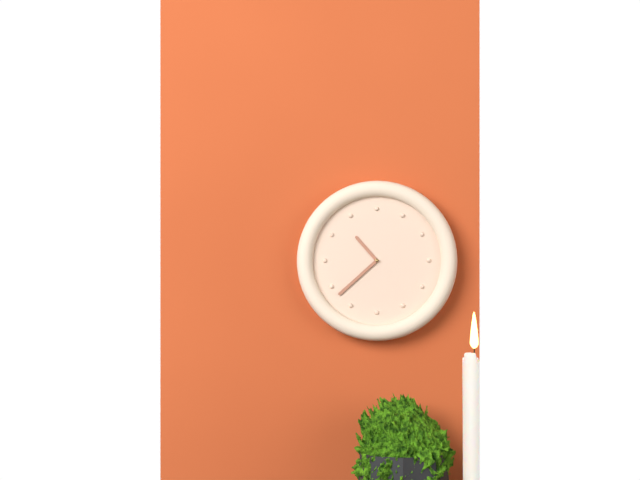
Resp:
10:38
